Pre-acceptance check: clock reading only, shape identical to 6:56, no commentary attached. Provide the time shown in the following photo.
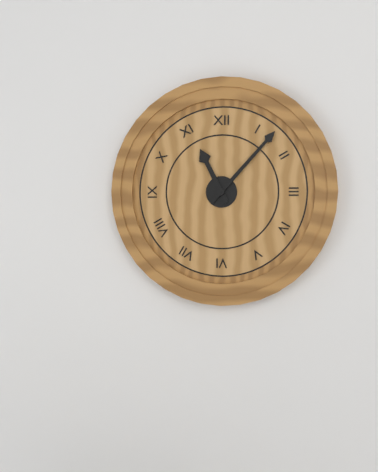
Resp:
11:07
